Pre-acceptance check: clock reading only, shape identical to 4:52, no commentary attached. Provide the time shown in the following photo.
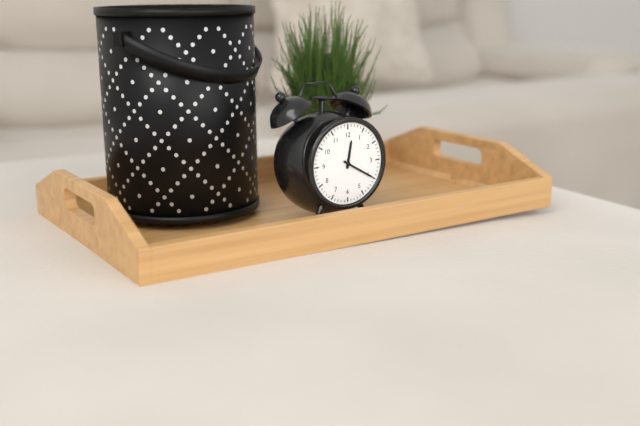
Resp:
12:20
